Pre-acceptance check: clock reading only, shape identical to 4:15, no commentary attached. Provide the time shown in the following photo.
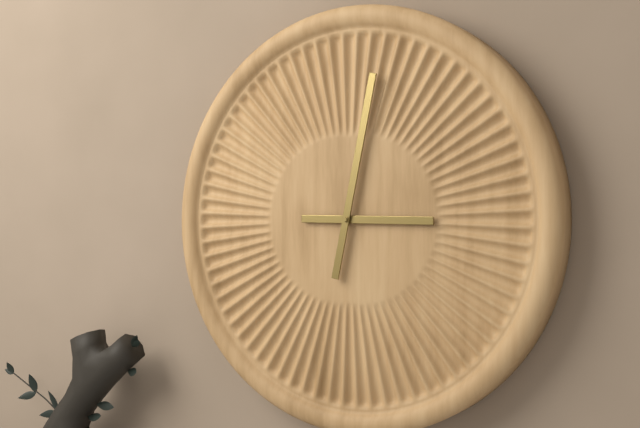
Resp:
3:02
